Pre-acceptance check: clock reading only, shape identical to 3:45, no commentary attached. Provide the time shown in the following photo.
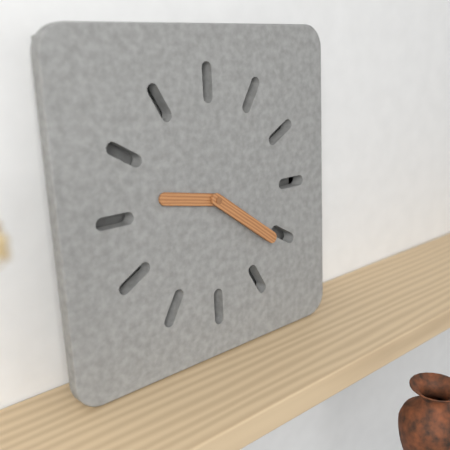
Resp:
9:21
